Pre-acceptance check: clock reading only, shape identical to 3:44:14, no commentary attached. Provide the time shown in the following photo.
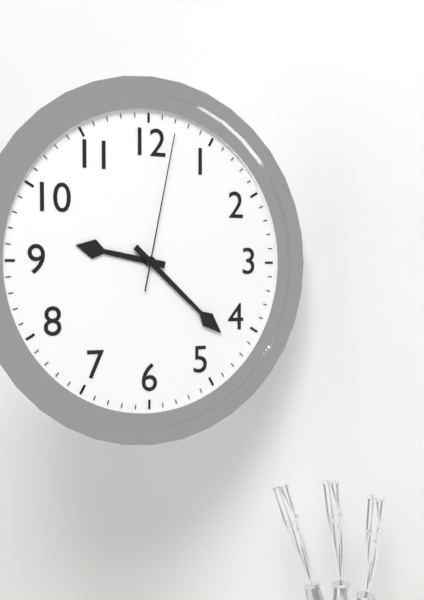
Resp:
9:22:02
